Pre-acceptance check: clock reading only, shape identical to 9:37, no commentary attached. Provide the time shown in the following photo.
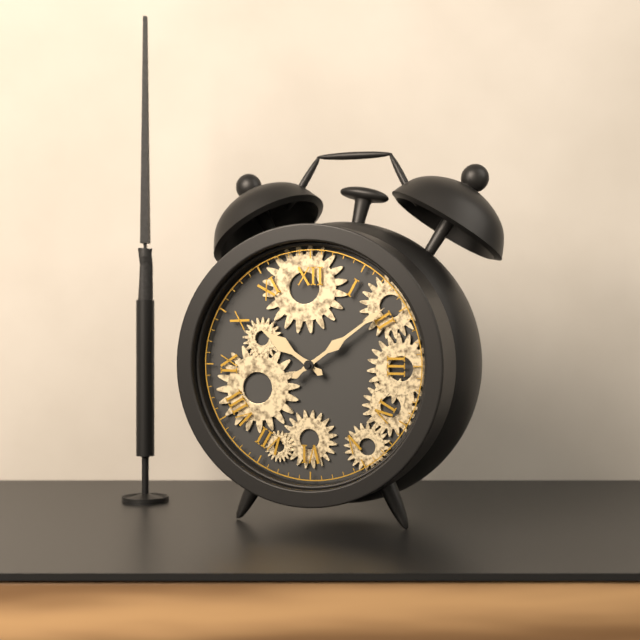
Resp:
10:09
